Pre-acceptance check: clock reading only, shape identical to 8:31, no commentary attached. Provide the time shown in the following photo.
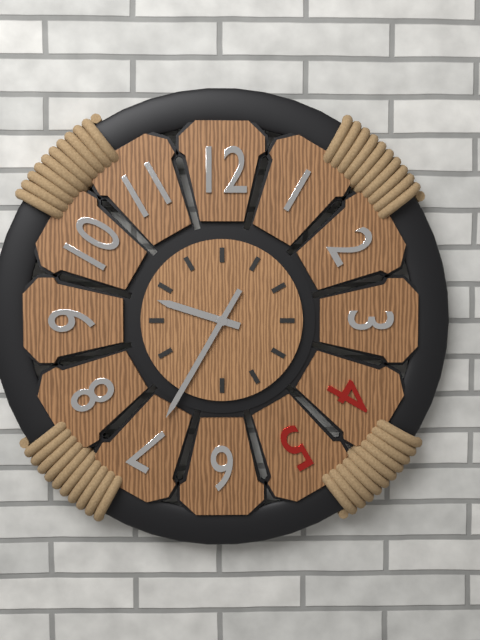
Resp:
9:35
